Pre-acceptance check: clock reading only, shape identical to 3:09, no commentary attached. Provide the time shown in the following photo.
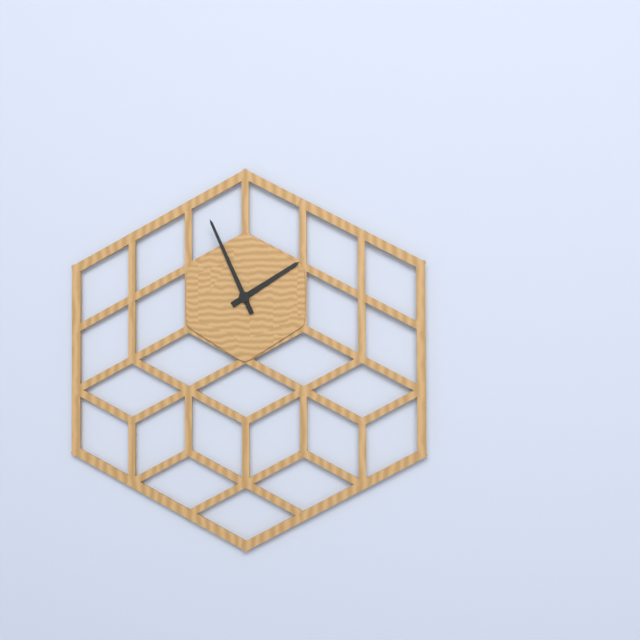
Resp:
1:56
